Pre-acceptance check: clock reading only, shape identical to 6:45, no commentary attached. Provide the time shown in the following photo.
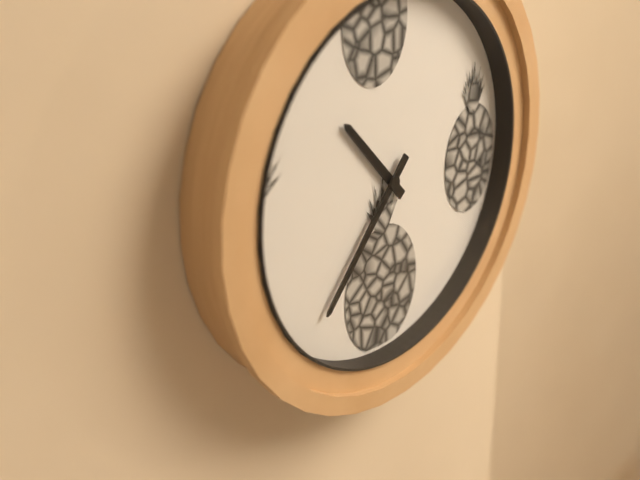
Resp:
10:37
